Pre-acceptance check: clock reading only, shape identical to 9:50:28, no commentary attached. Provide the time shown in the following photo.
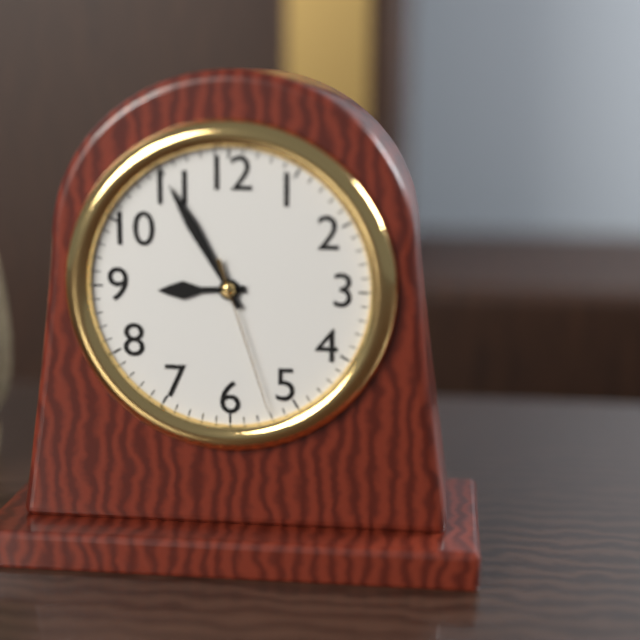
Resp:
8:55:27
